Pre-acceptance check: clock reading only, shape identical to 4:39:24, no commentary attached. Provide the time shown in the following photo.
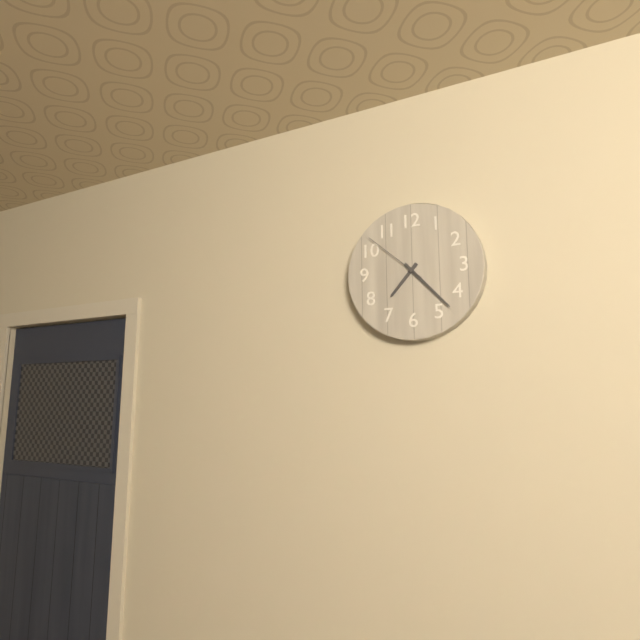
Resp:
7:23:52
